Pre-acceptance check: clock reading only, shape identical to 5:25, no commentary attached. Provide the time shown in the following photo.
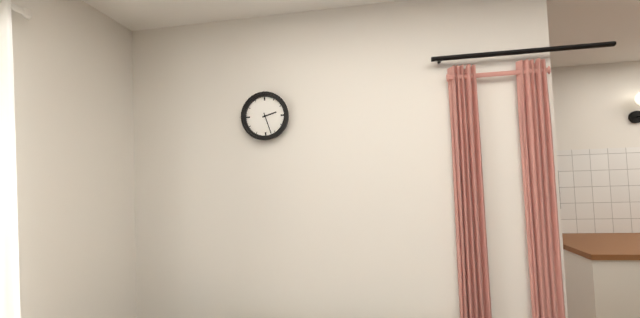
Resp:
2:27
